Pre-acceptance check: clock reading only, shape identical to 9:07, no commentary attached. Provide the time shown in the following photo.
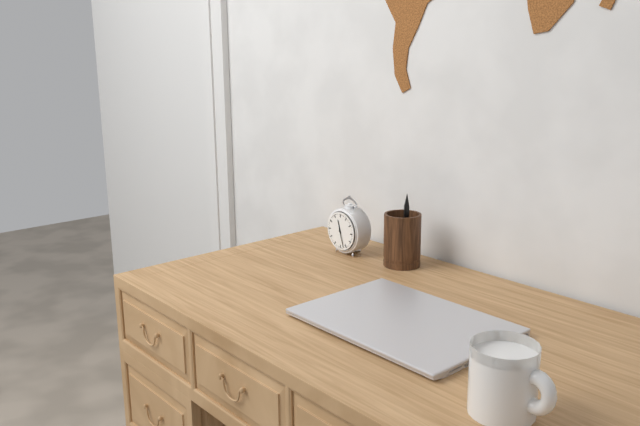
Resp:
11:27
